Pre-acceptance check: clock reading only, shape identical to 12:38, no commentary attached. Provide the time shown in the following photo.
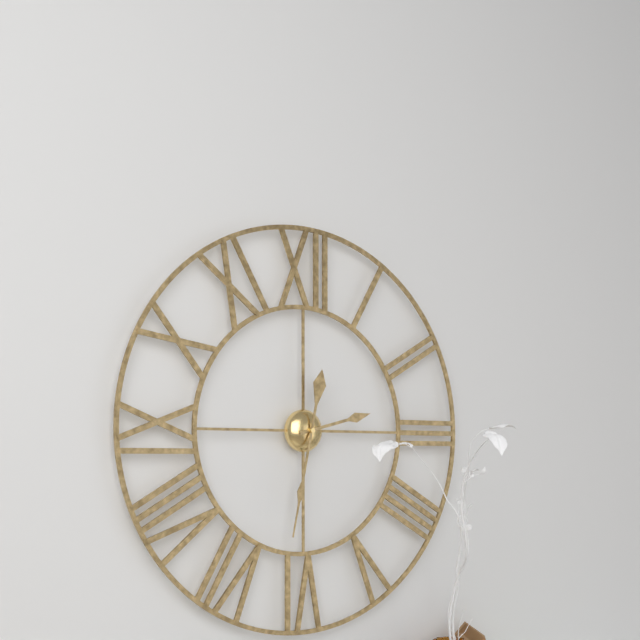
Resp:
2:32
